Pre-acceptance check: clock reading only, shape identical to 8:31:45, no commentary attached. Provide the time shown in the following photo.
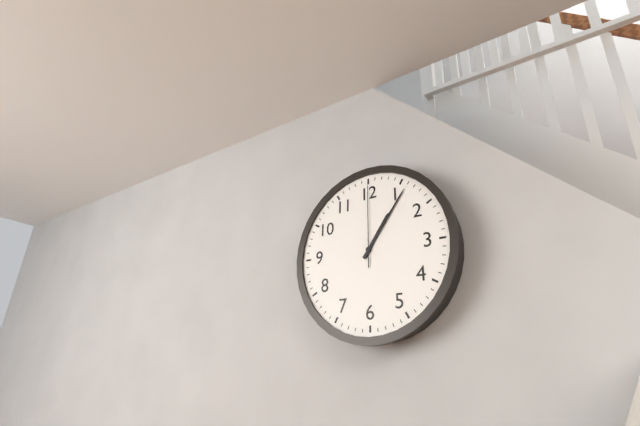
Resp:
1:06:00
